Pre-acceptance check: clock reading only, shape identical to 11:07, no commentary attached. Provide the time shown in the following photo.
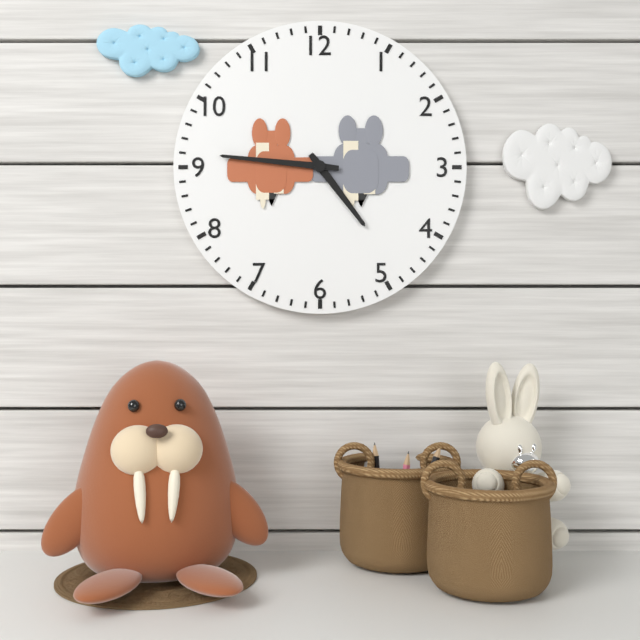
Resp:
4:46
